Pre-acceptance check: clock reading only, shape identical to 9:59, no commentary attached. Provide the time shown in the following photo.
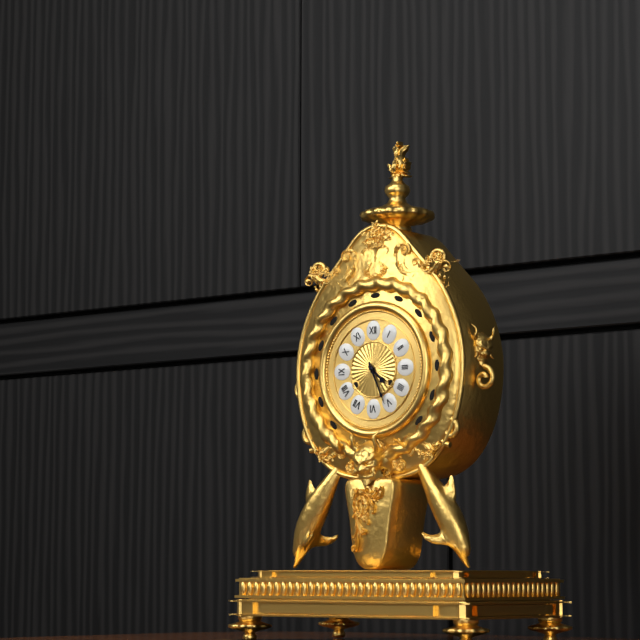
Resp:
4:26
